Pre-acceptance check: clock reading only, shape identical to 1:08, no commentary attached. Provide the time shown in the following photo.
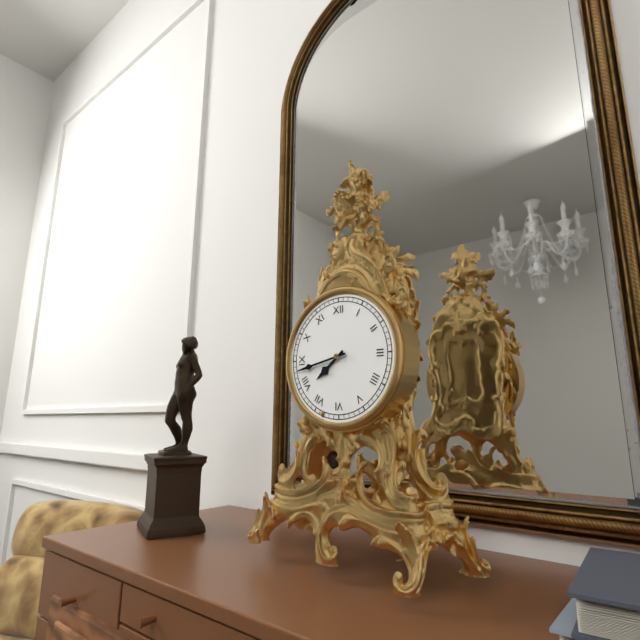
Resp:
7:43
